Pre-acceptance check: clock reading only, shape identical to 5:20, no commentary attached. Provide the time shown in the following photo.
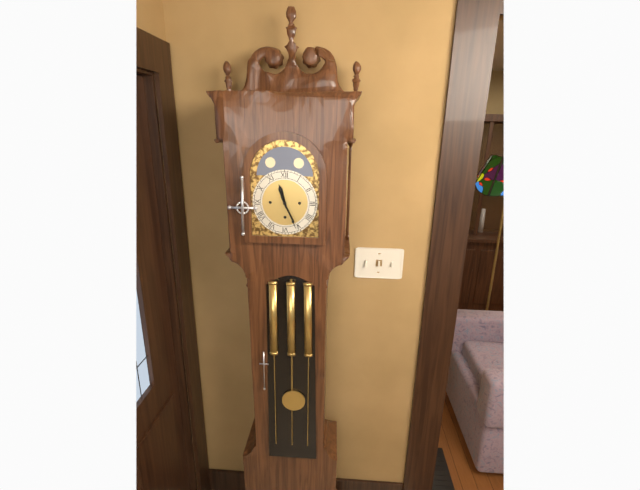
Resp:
11:26
